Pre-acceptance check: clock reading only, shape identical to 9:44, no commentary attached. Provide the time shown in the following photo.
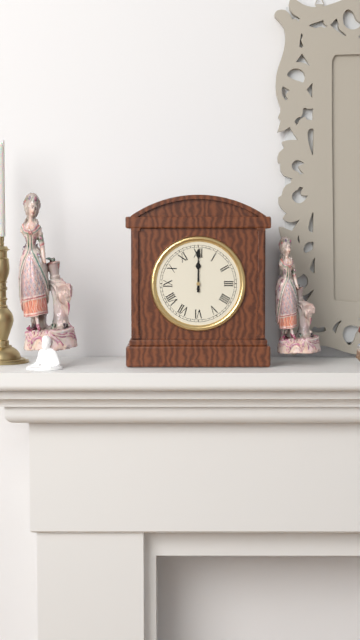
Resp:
12:00
